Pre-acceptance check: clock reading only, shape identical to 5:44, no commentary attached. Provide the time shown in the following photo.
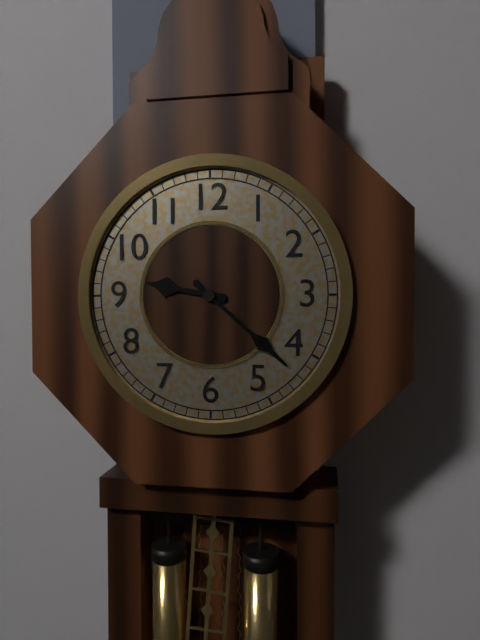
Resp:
9:22
